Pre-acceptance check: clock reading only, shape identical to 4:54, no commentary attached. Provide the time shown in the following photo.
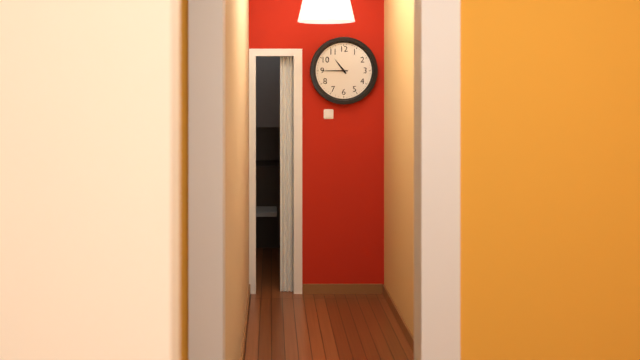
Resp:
10:45
